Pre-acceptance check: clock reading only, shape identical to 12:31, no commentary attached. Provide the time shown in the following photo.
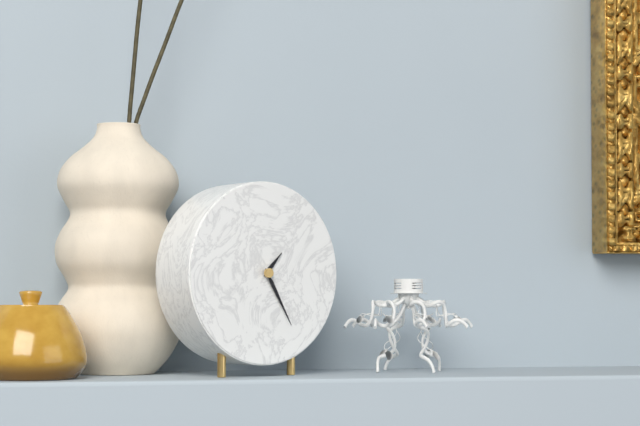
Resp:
1:25
